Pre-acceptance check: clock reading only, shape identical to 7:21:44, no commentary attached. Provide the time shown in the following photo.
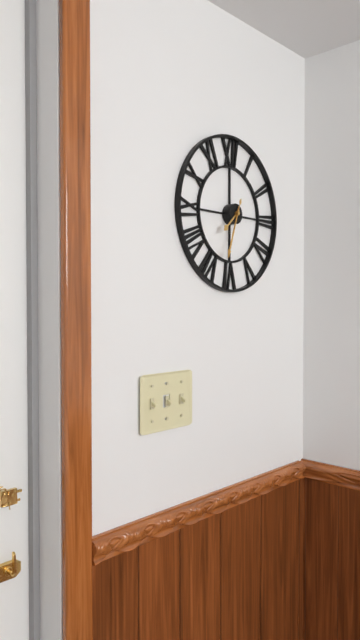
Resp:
7:33:33
